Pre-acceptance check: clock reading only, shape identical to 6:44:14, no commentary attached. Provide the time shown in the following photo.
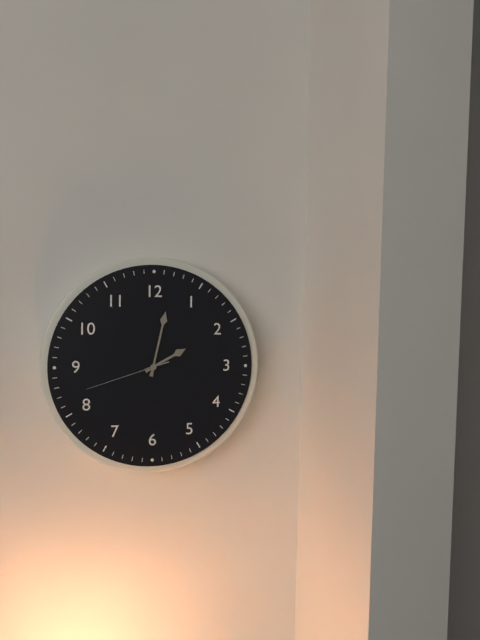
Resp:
2:02:42
